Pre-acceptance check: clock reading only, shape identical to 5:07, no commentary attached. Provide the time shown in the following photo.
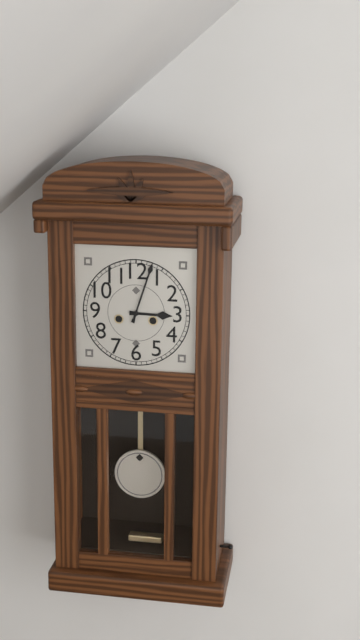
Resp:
3:03
